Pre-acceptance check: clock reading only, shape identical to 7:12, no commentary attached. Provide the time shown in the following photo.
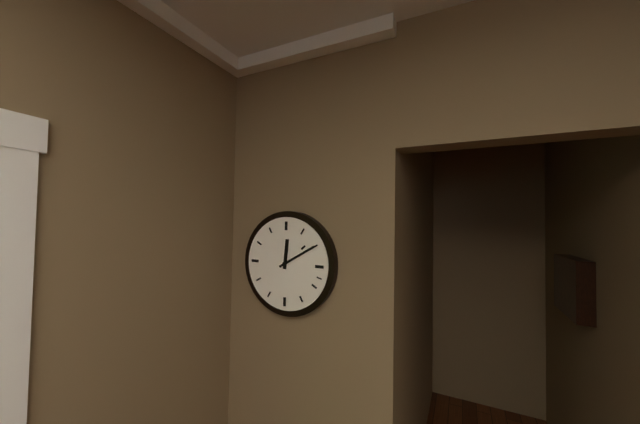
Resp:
12:10
